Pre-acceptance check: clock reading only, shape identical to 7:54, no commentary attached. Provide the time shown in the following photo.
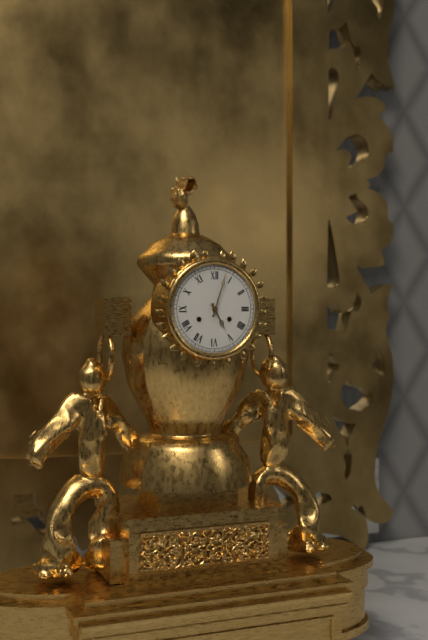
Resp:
5:03
